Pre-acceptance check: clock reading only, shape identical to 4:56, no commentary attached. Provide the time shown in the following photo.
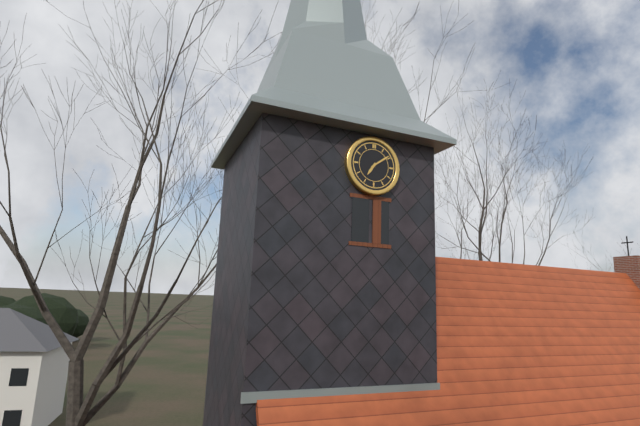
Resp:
7:09
